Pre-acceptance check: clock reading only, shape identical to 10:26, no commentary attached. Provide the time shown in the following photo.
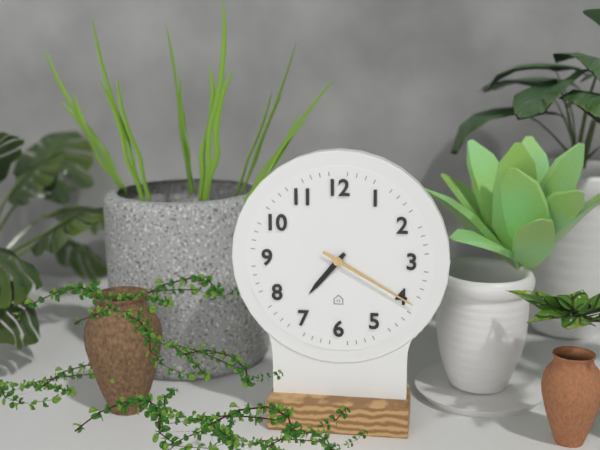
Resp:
7:20
